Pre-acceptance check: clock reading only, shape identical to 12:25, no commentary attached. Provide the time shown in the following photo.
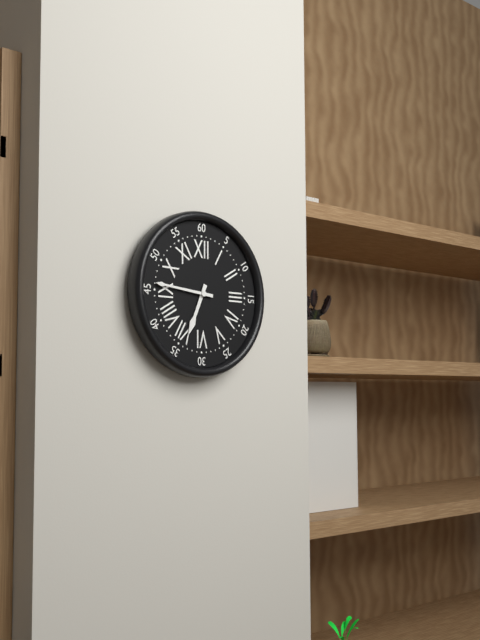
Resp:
6:46
